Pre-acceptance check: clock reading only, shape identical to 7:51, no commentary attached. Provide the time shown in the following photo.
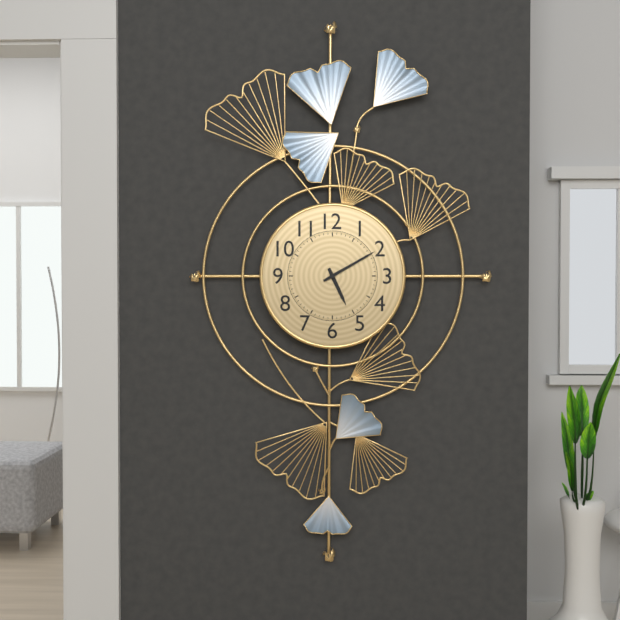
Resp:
5:10
